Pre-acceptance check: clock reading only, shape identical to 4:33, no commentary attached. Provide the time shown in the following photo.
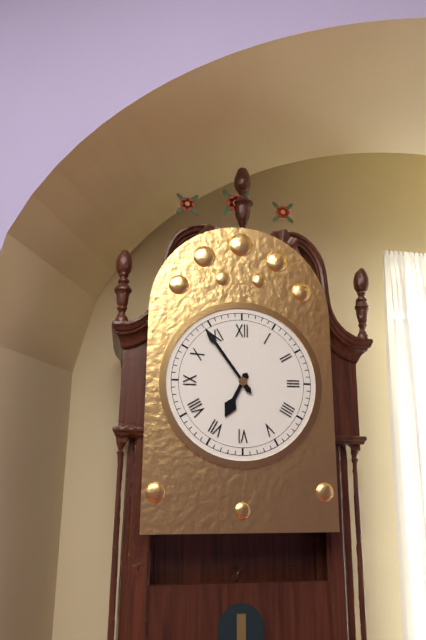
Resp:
6:54
